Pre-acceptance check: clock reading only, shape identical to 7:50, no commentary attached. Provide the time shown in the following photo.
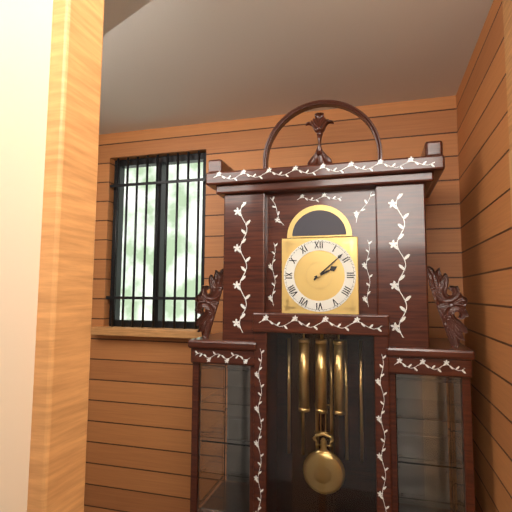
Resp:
2:08
